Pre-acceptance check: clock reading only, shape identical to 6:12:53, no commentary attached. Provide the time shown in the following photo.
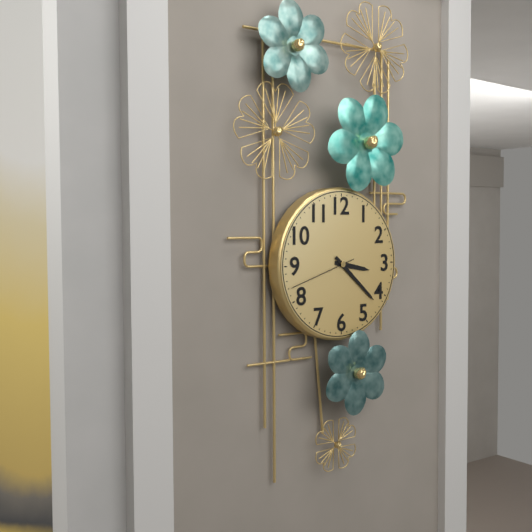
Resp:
3:22:42
